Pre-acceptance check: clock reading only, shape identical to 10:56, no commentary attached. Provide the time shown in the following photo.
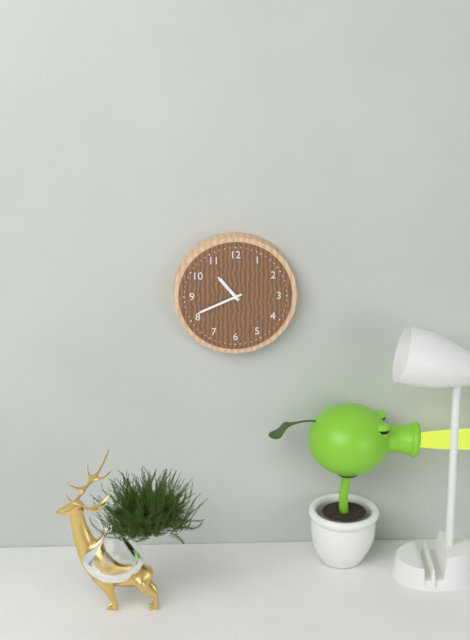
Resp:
10:41
